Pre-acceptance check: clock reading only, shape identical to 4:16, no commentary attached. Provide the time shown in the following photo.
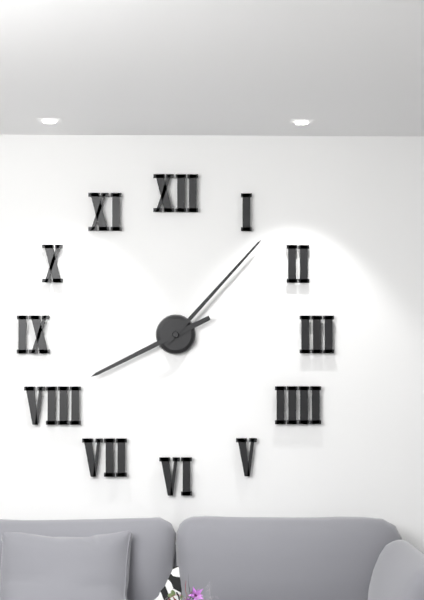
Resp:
8:07
